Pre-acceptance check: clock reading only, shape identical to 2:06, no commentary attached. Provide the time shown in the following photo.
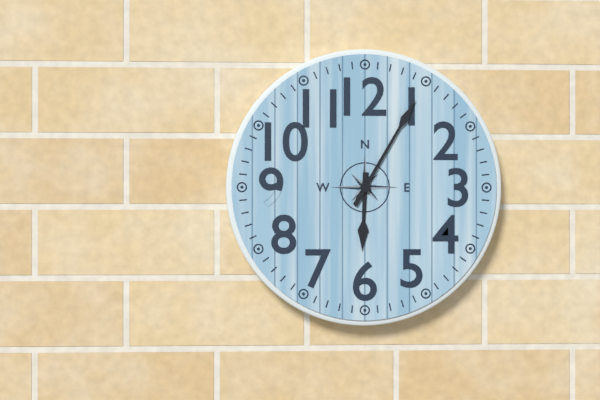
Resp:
6:05
